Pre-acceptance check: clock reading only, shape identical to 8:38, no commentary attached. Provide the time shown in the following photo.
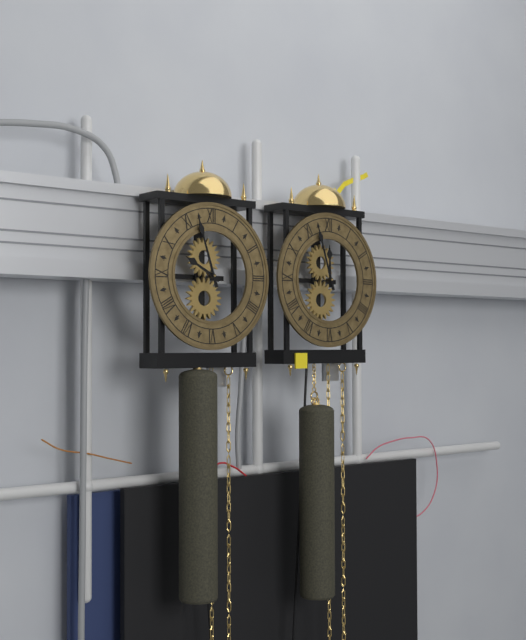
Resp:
9:57
